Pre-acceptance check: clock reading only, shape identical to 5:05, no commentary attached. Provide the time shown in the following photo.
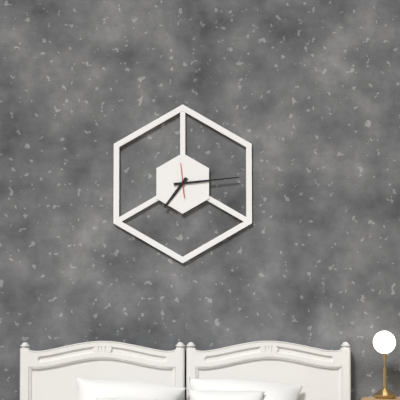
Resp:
7:14
